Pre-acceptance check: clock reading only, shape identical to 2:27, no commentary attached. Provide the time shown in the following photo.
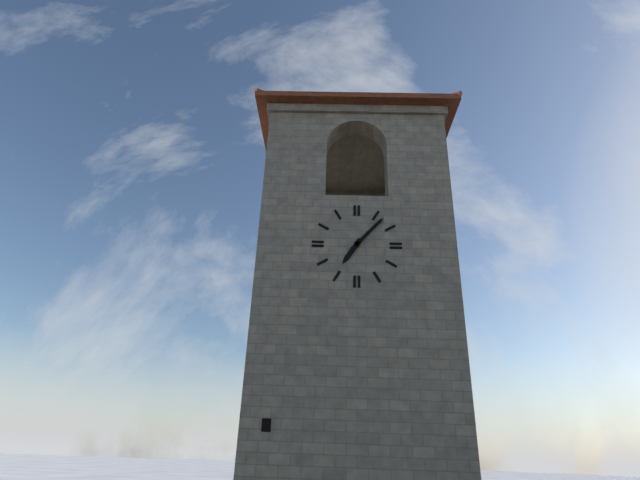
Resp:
7:07
